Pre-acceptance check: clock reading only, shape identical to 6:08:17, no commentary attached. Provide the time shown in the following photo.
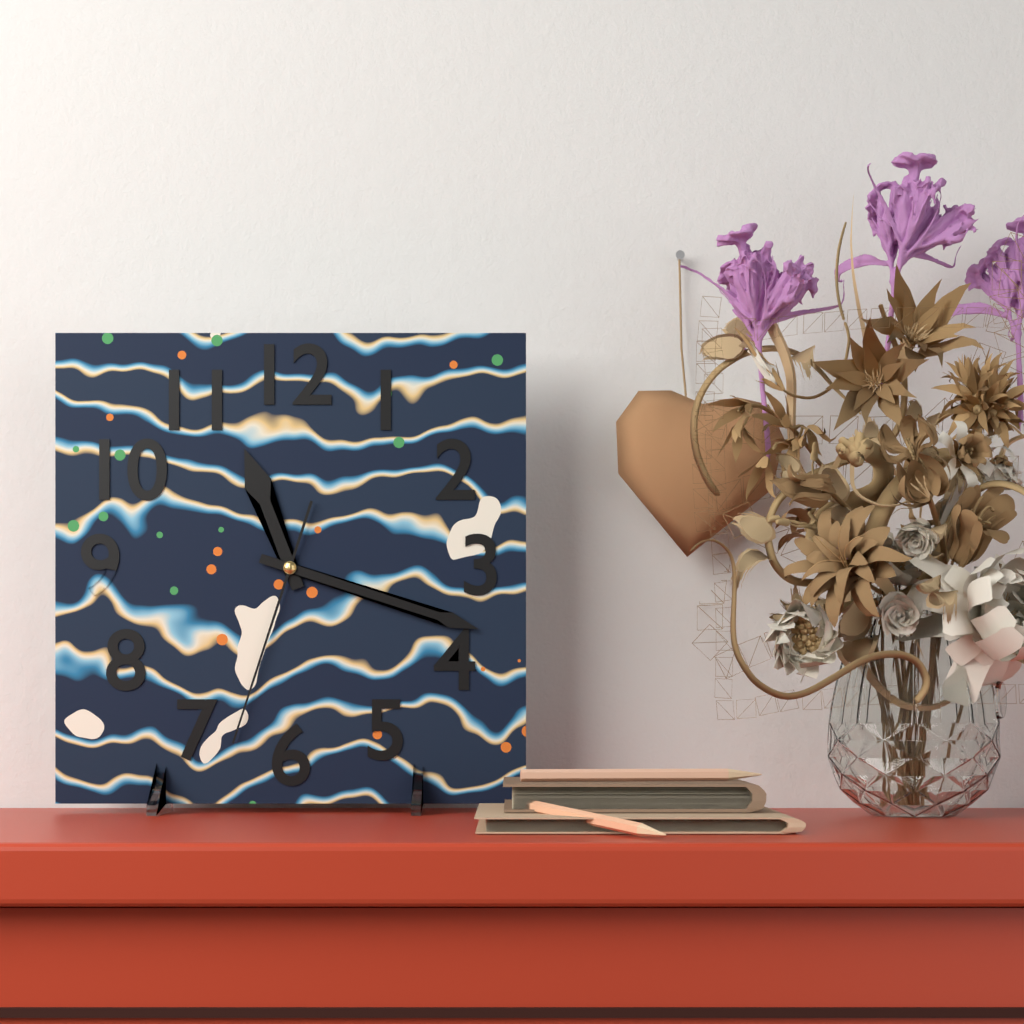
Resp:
11:18:33
